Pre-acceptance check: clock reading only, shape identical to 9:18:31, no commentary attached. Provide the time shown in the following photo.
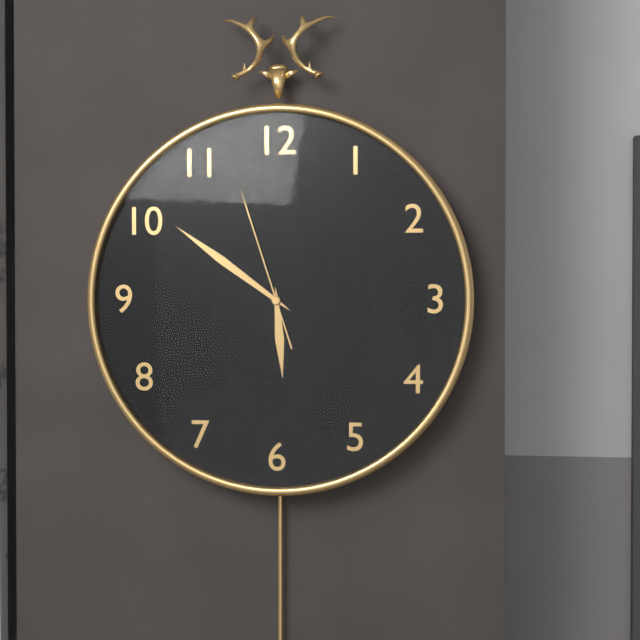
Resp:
5:51:57
